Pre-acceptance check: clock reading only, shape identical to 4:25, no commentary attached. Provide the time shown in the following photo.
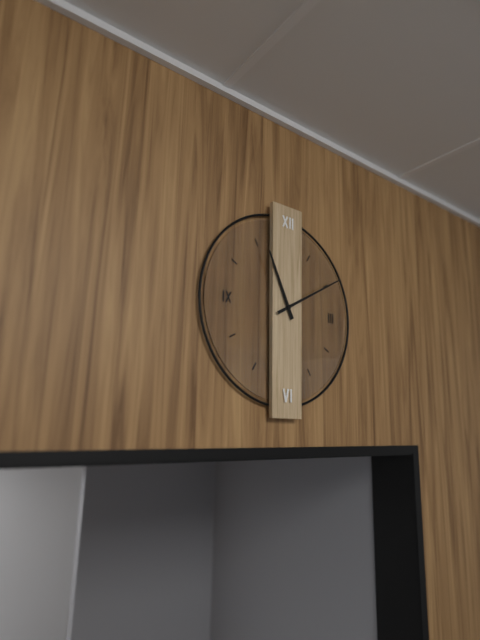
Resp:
11:10
